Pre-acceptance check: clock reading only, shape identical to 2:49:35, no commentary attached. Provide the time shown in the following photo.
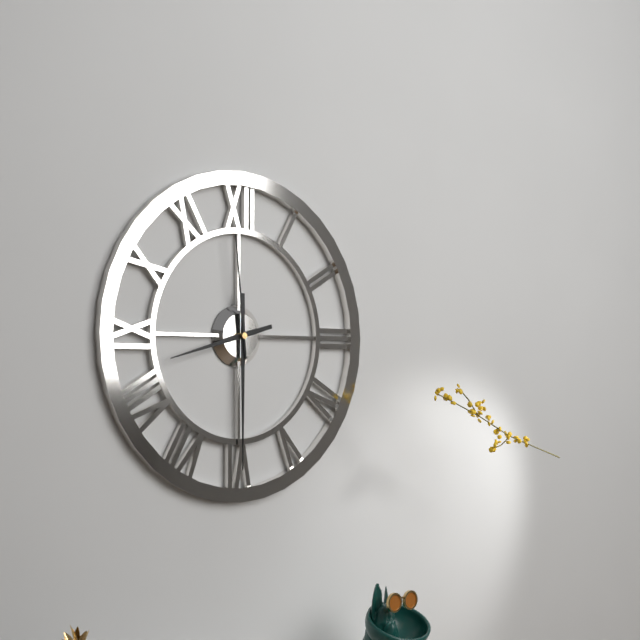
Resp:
8:30:59
